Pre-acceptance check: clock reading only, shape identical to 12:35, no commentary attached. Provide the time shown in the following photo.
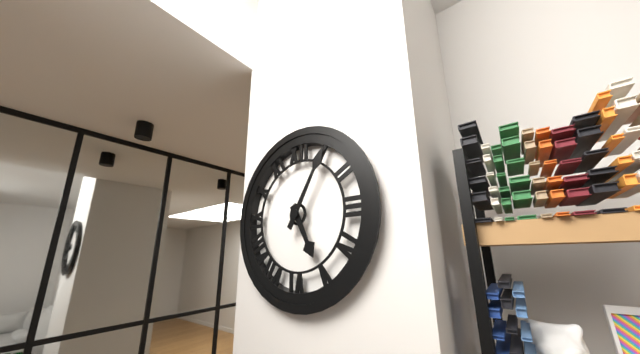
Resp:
5:05
